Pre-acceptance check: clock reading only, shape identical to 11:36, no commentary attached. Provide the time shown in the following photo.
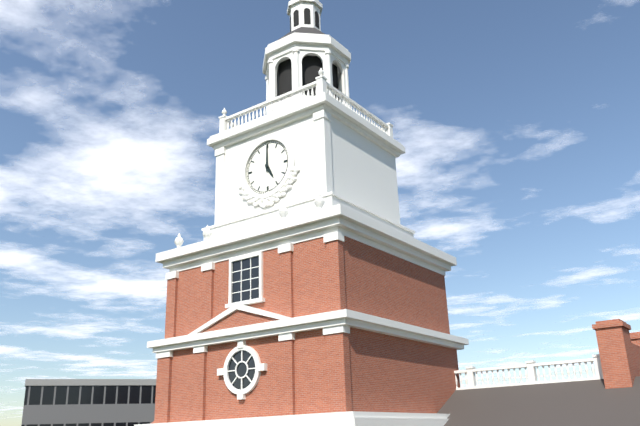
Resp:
5:00
